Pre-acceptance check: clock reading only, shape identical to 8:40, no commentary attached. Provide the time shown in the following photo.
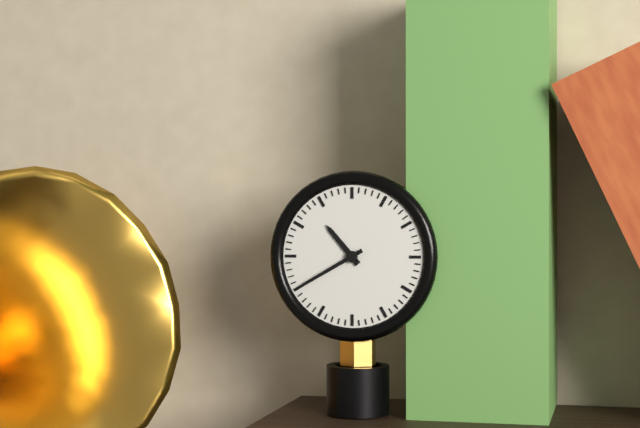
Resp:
10:40
